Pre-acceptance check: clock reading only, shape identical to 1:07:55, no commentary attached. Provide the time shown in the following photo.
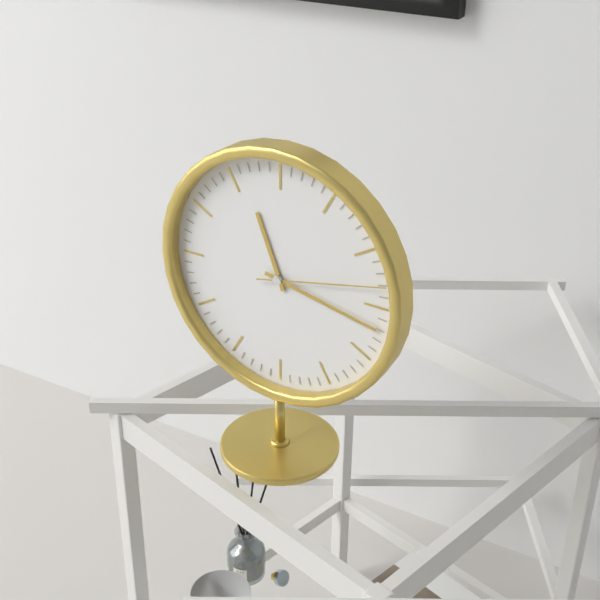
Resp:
11:17:13
